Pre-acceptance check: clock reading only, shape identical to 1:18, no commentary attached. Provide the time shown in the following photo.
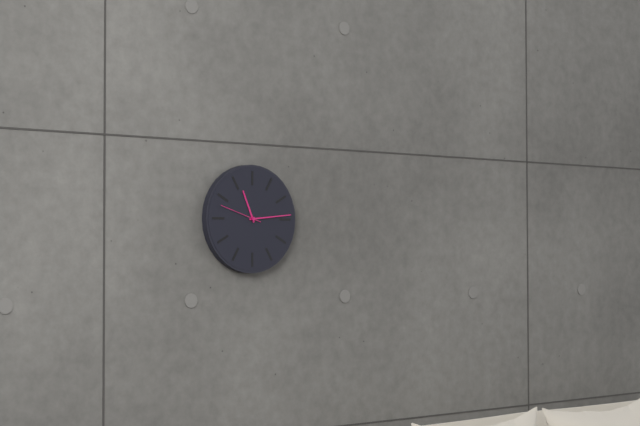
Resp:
11:14
